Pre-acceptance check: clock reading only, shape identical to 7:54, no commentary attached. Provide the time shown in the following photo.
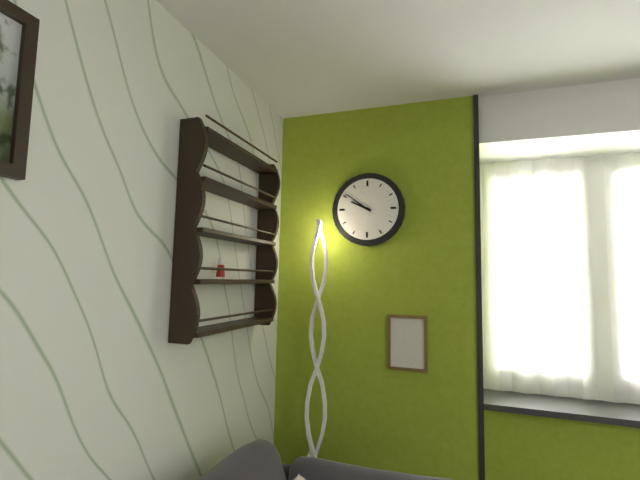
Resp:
9:51
